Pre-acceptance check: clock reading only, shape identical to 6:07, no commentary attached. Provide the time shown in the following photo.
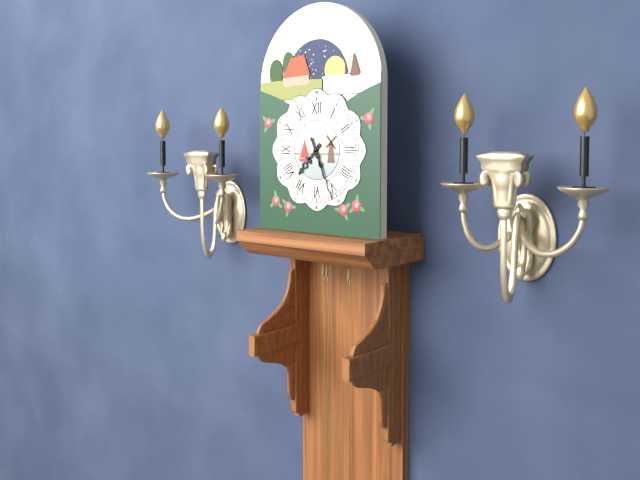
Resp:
7:26
